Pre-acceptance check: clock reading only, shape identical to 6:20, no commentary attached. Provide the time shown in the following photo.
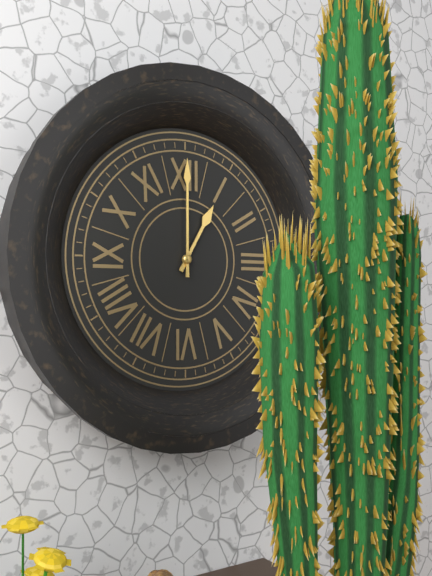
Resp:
1:00
